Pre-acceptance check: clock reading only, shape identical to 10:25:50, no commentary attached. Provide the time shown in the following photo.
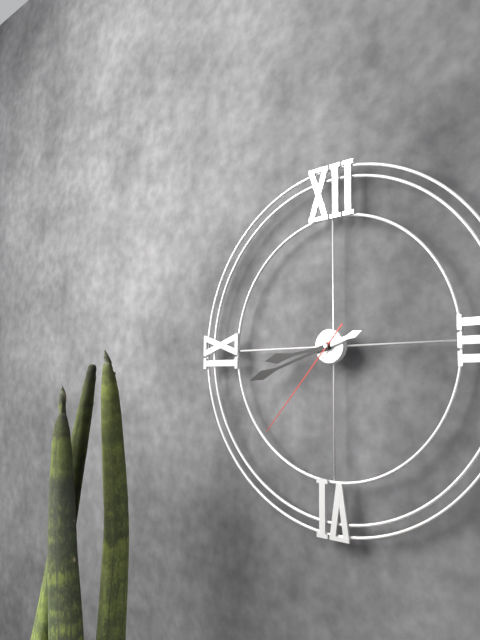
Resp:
8:42:37
